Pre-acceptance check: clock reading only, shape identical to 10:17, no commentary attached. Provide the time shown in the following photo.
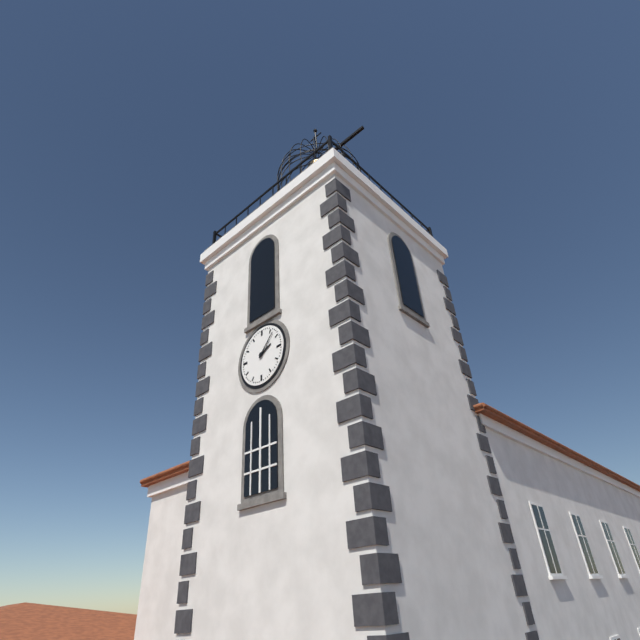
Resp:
2:07
